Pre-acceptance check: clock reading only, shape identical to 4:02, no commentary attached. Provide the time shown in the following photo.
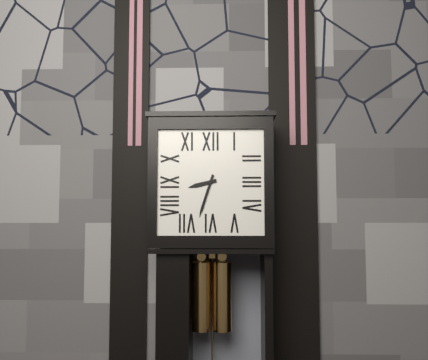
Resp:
8:33
